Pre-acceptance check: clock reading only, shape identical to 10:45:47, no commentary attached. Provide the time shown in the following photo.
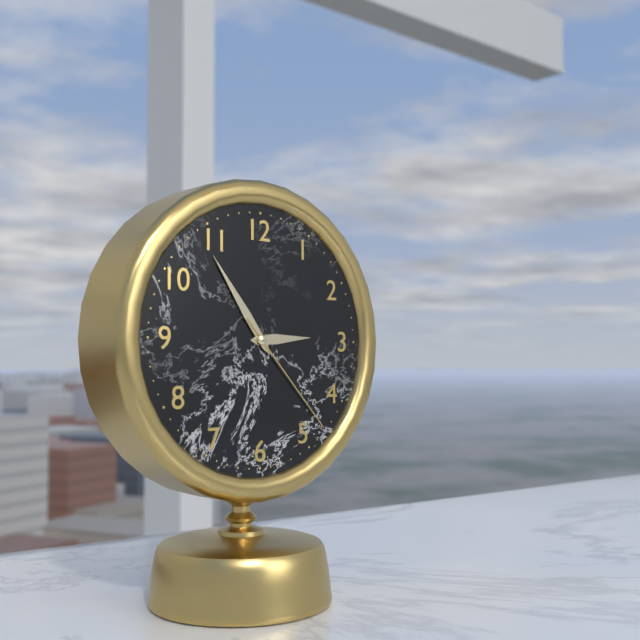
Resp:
2:54:23
